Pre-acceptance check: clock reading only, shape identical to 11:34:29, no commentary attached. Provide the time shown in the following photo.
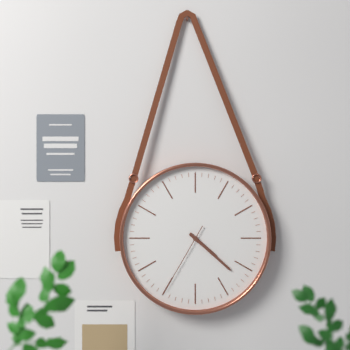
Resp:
4:22:35
